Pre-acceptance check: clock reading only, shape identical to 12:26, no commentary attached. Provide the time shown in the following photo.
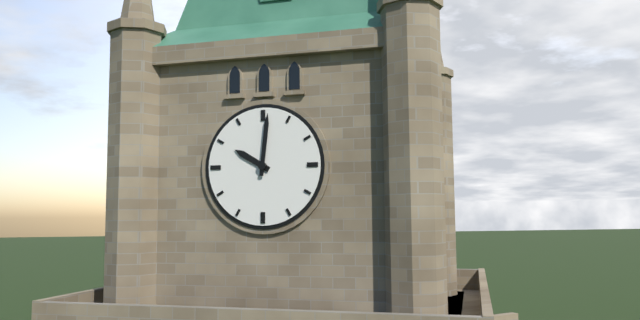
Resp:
10:01
